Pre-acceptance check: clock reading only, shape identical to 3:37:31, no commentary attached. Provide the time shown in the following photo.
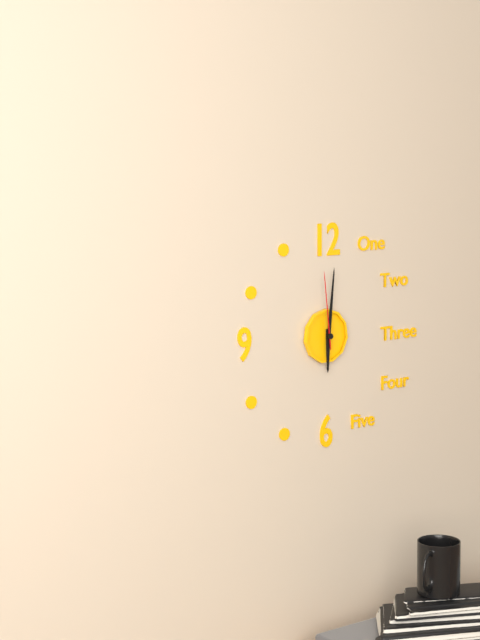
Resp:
6:01:59
